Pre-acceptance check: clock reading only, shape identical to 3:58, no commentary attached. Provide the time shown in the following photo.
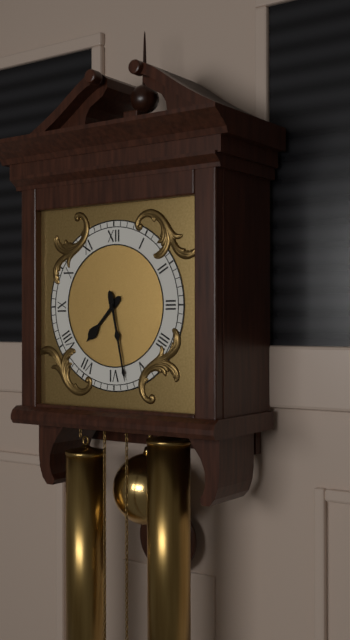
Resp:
7:28
